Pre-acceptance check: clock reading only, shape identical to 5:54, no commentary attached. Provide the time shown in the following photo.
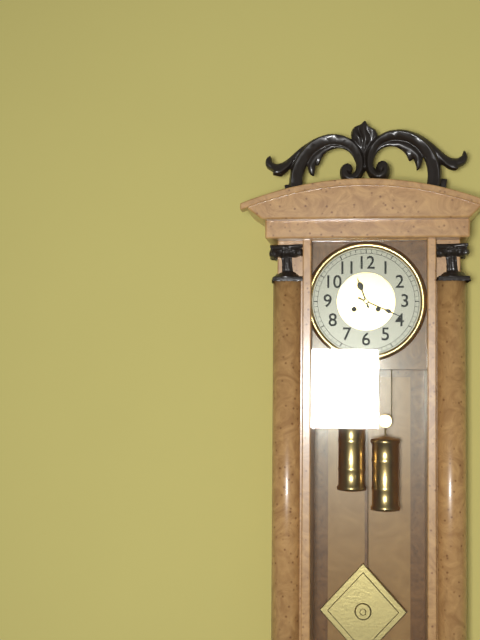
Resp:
11:19
